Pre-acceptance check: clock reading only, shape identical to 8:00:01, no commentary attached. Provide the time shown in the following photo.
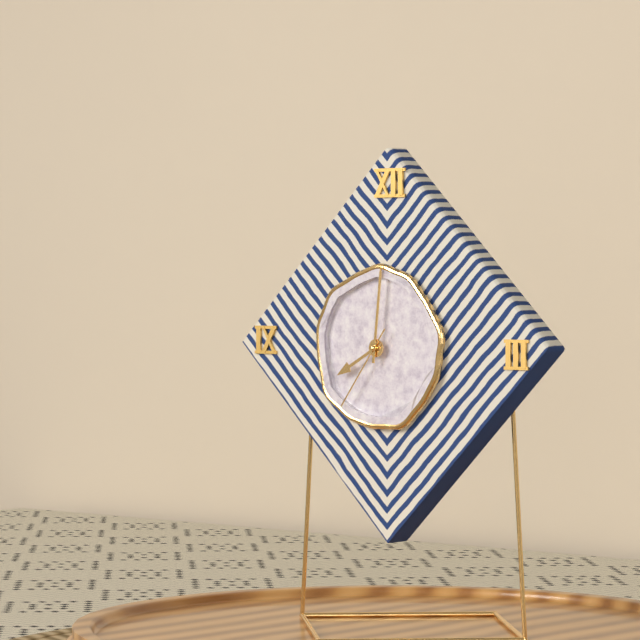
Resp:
8:01:36
